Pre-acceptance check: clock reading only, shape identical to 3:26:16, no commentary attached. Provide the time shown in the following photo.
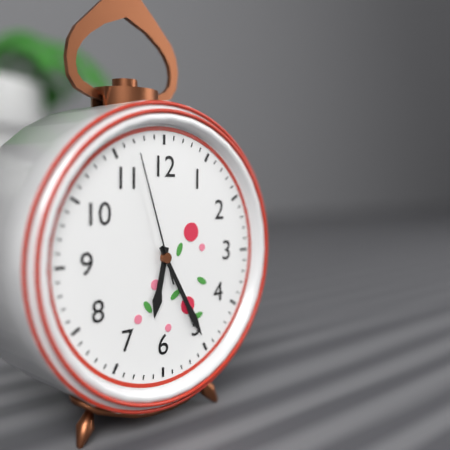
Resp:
6:25:57
